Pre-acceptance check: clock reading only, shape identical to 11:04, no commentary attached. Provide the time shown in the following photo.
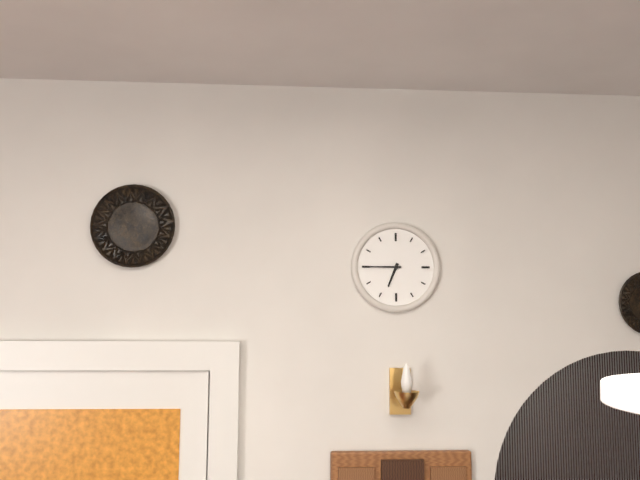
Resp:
6:45
